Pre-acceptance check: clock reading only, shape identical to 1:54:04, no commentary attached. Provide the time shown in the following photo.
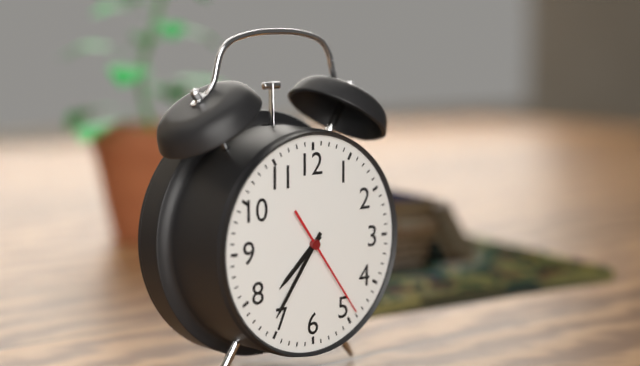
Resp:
7:36:24
